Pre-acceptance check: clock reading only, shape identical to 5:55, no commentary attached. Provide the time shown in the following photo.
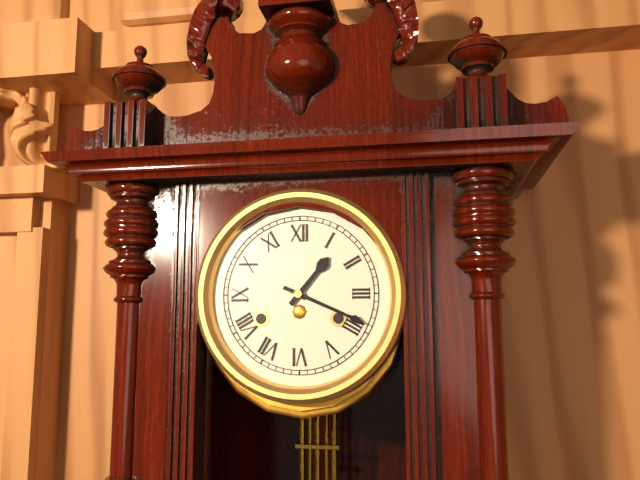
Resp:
1:19
